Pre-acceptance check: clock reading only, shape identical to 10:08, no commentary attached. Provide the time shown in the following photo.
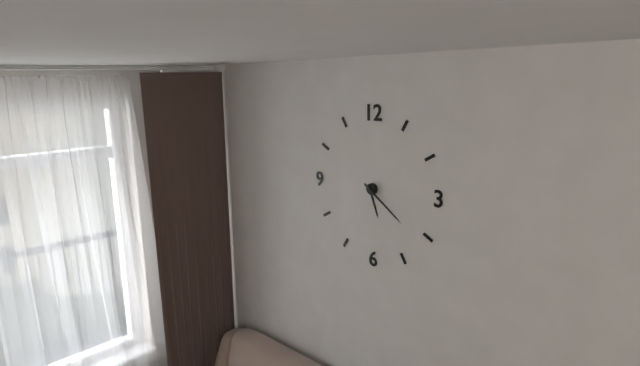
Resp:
5:21
